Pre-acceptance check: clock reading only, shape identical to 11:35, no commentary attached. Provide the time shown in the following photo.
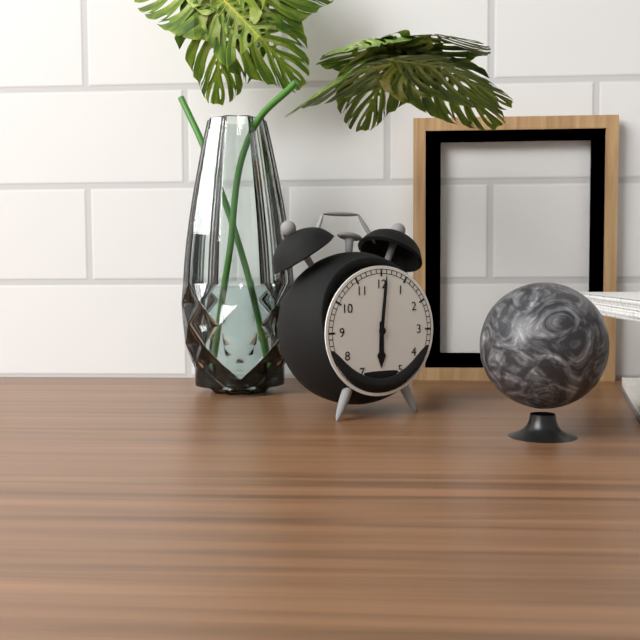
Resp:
6:01
